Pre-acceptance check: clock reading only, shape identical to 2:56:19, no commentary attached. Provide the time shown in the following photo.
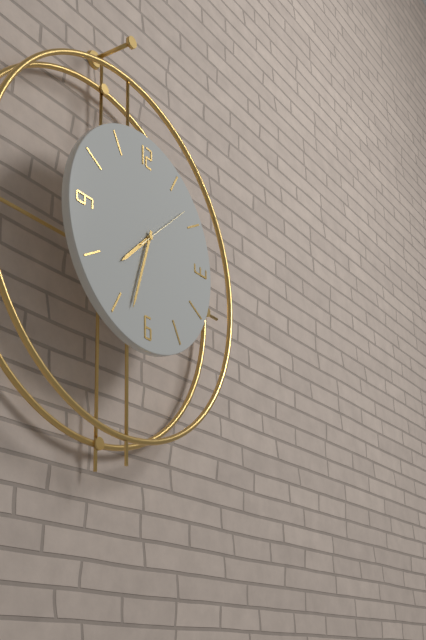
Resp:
7:33:08
